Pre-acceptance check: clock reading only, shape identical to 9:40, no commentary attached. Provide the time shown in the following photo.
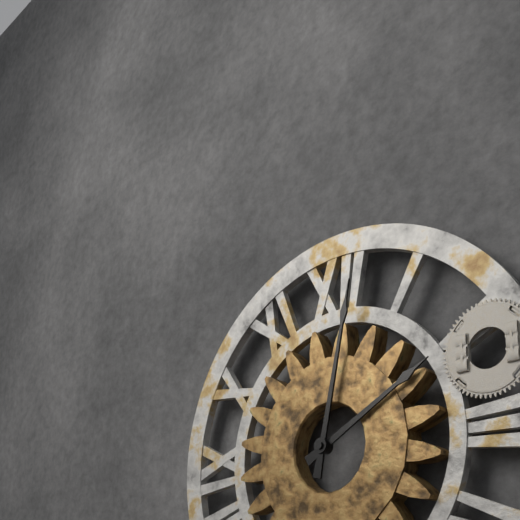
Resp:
2:02
